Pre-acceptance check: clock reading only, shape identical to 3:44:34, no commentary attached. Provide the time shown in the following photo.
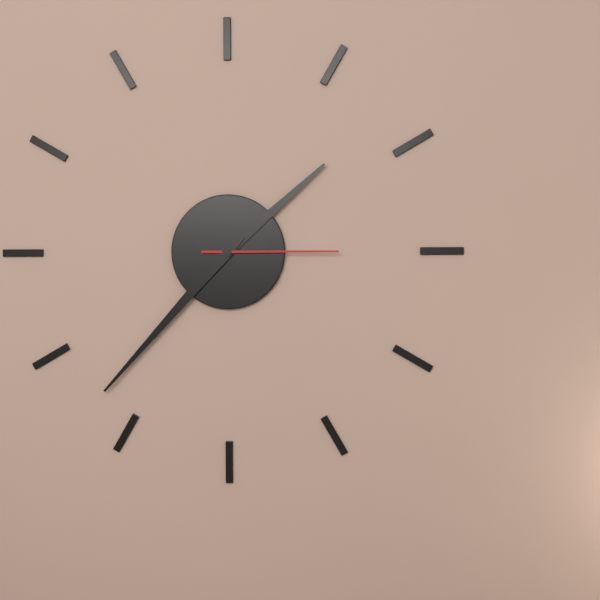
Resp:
1:37:15
